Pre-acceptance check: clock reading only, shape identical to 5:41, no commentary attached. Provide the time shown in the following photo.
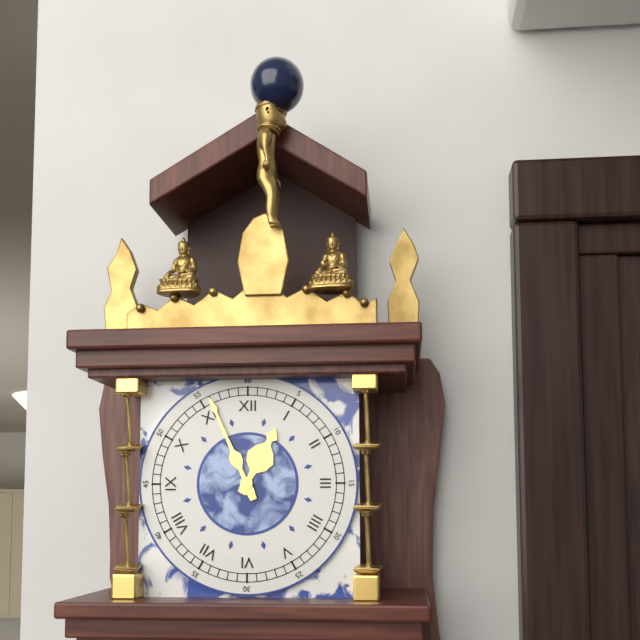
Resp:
12:56
